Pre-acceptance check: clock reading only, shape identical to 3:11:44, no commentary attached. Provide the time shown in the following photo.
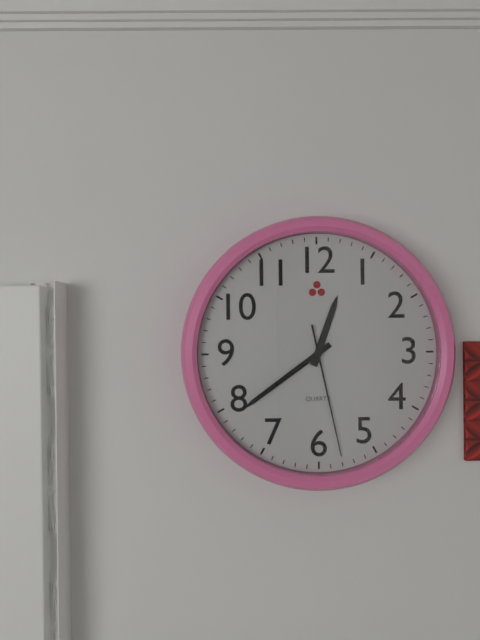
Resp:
12:39:28
